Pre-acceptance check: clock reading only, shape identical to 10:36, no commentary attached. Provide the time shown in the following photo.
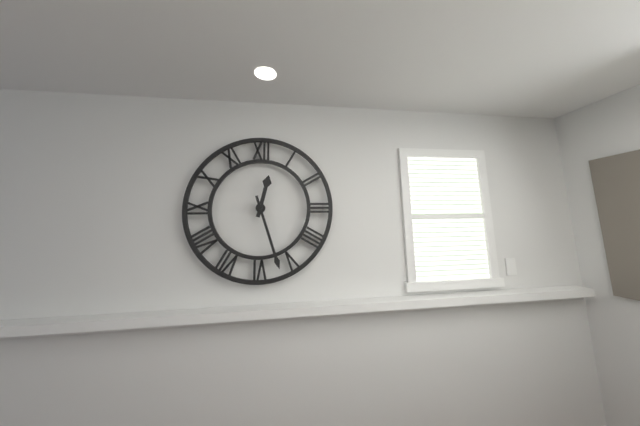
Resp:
12:27
